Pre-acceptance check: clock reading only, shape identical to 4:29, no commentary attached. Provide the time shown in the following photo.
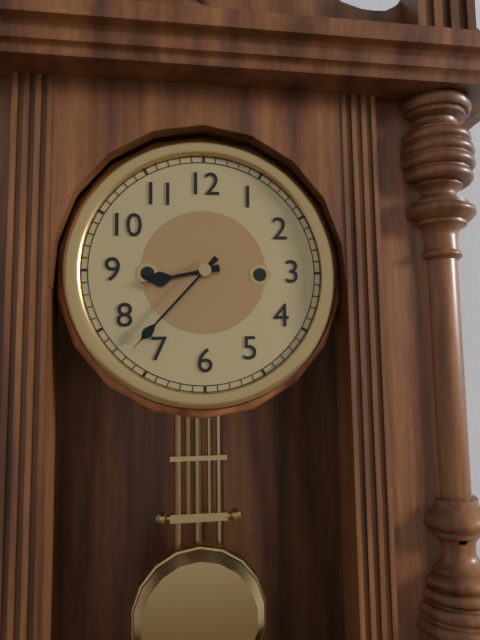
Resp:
8:37
